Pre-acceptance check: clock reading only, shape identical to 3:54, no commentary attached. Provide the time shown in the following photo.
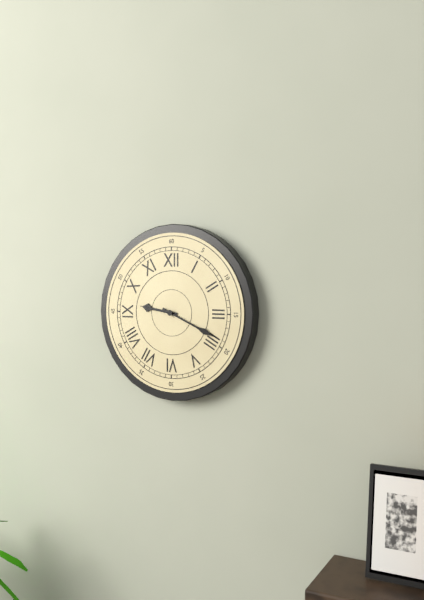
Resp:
9:19
